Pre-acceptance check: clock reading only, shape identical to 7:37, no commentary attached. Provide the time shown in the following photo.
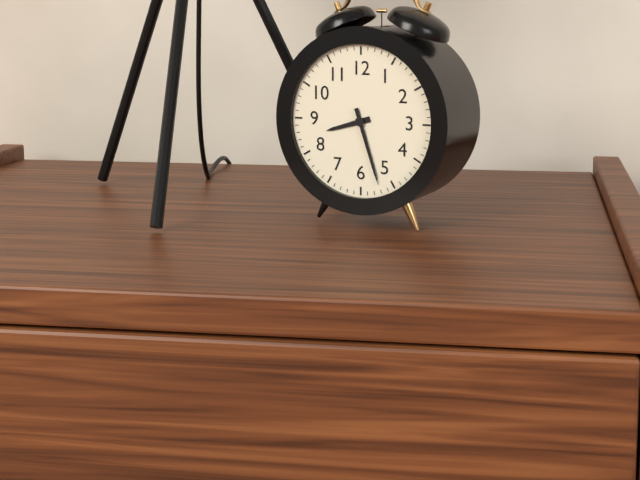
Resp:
8:27
